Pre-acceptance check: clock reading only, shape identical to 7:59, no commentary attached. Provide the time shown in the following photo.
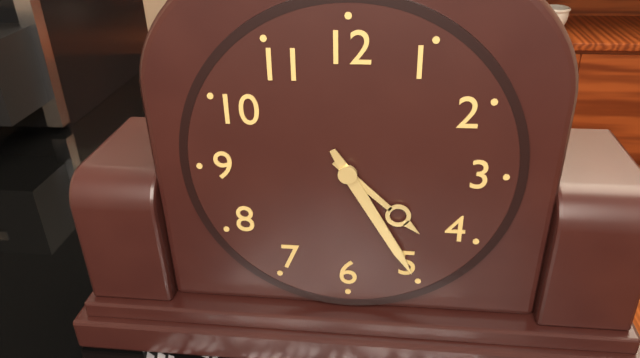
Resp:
4:25
